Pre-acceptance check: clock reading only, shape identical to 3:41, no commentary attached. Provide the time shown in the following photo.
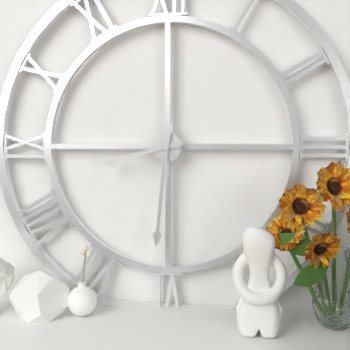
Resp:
8:31
